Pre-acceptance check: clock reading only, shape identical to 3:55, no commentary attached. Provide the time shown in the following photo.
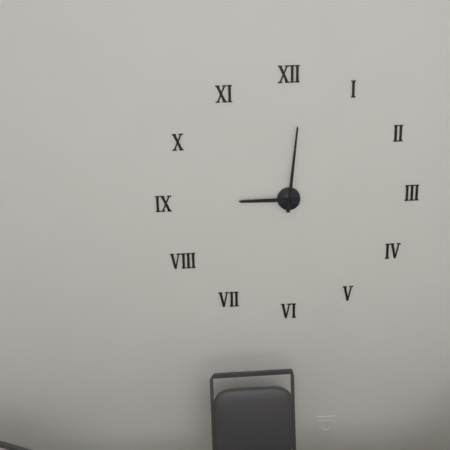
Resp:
9:01
